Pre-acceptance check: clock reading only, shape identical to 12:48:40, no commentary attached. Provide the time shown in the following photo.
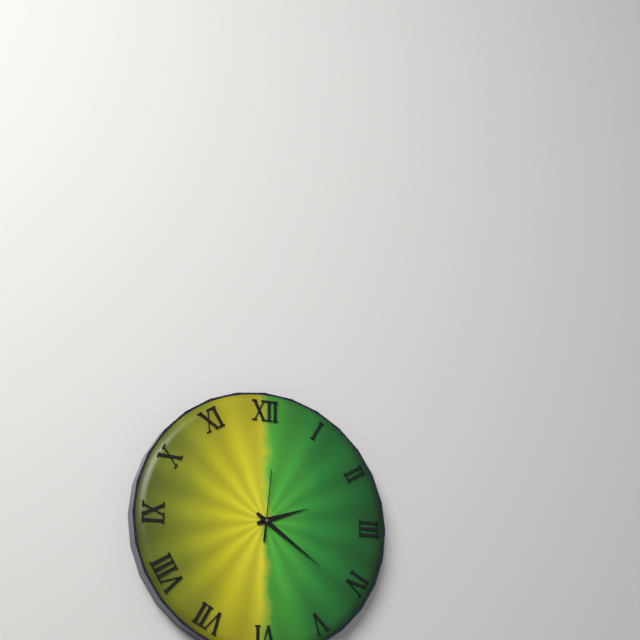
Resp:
2:21:01
